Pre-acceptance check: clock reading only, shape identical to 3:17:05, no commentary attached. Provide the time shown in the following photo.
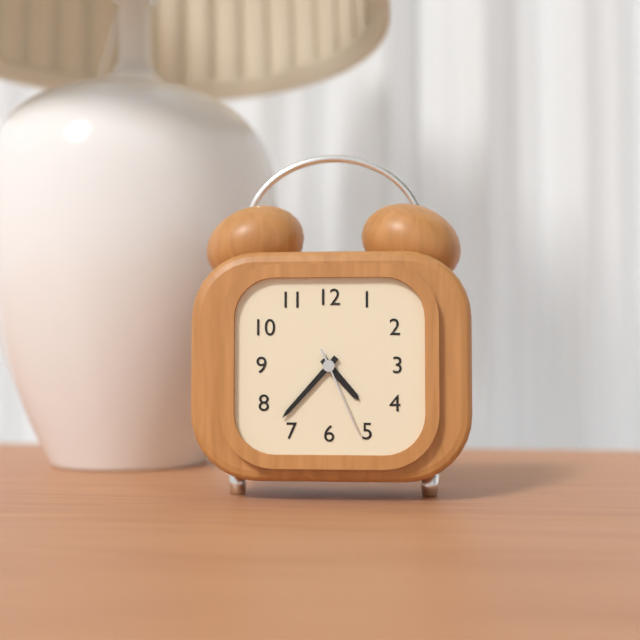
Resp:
4:37:26
